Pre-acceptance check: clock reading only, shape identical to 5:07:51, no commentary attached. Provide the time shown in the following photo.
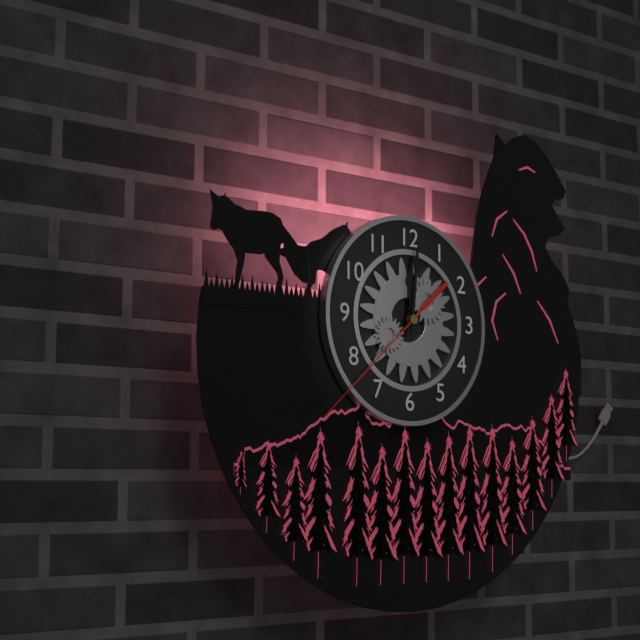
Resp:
12:01:38
